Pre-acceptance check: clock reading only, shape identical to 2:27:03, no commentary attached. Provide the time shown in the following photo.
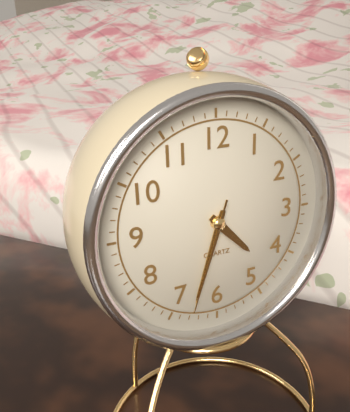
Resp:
4:33:33
